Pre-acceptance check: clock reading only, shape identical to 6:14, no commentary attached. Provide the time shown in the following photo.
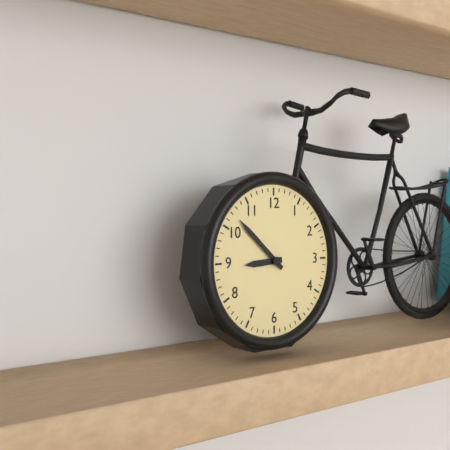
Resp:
8:52
